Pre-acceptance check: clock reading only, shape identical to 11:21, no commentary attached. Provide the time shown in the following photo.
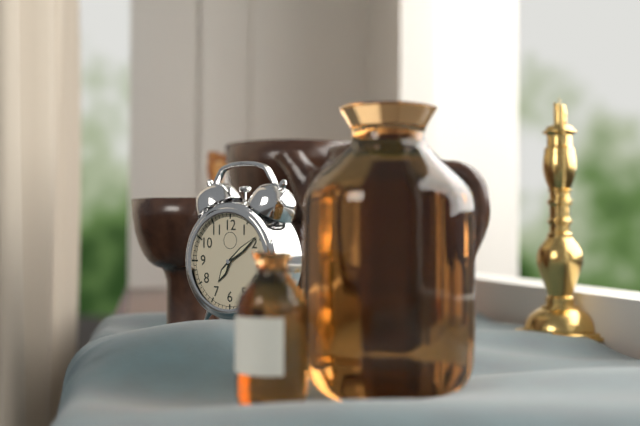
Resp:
7:09
